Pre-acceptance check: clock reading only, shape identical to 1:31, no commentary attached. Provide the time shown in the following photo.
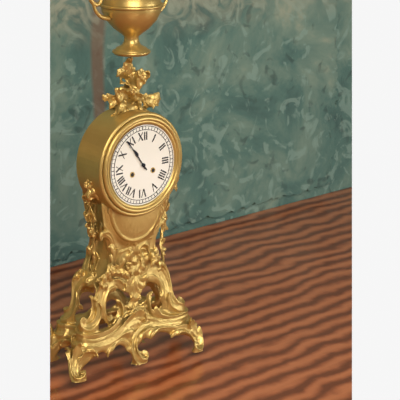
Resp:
10:54
